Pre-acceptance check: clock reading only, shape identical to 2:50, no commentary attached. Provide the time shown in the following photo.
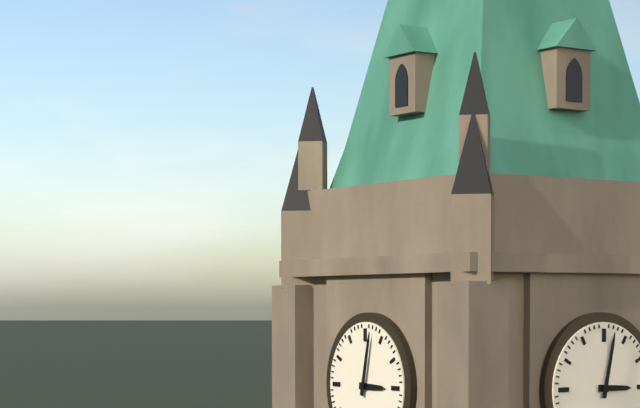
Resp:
3:02
